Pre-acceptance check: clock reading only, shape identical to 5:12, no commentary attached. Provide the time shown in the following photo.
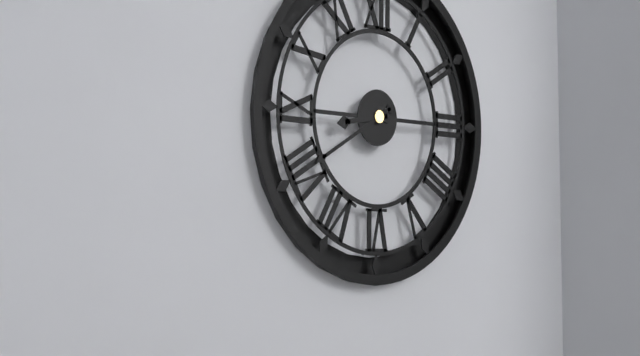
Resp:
8:40
